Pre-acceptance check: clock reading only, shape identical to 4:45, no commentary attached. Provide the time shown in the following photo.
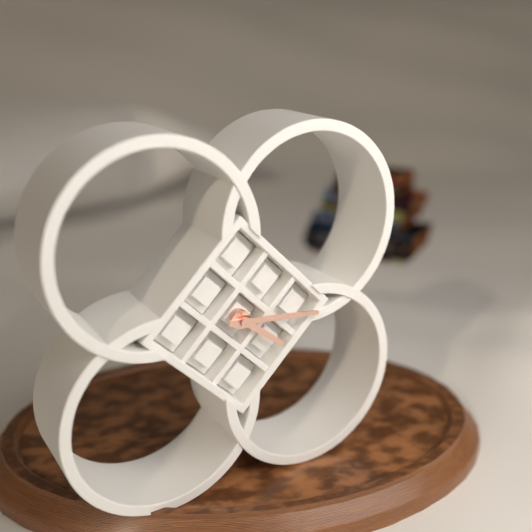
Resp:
4:16
